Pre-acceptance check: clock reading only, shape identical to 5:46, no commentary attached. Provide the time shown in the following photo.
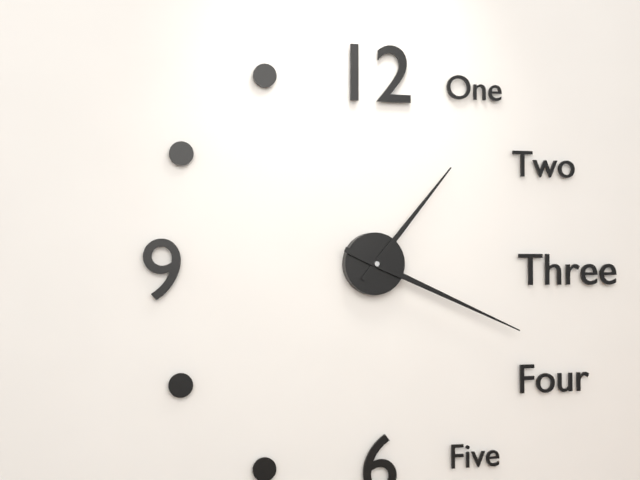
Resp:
1:19
